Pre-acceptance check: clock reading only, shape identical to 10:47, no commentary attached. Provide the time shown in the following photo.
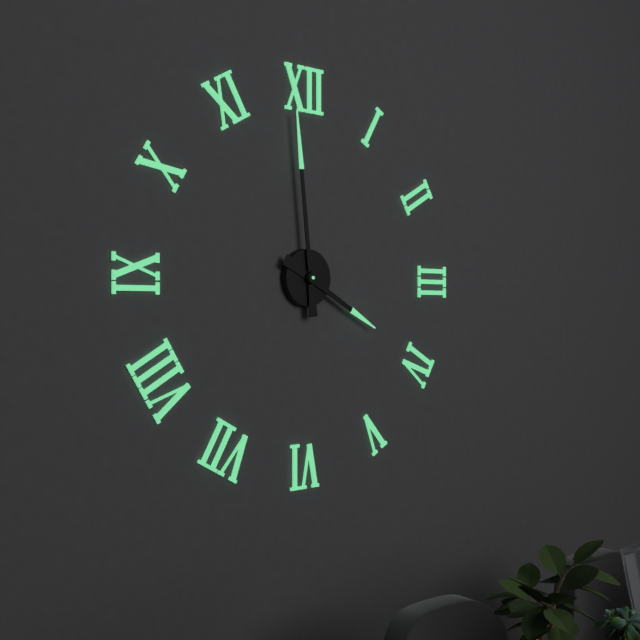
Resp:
3:59
